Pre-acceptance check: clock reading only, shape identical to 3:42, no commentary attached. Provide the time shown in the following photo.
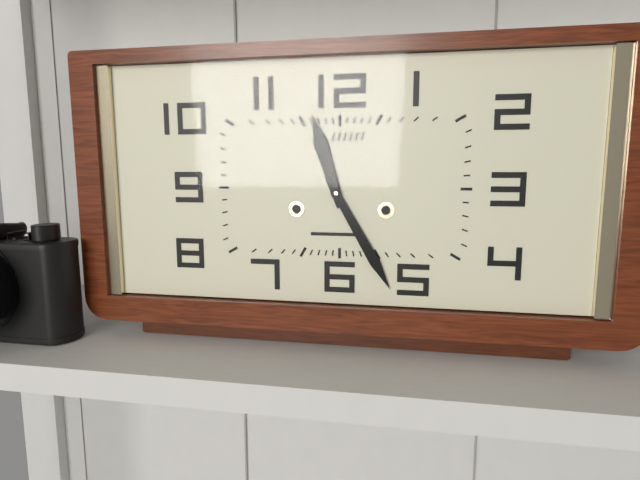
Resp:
11:25
